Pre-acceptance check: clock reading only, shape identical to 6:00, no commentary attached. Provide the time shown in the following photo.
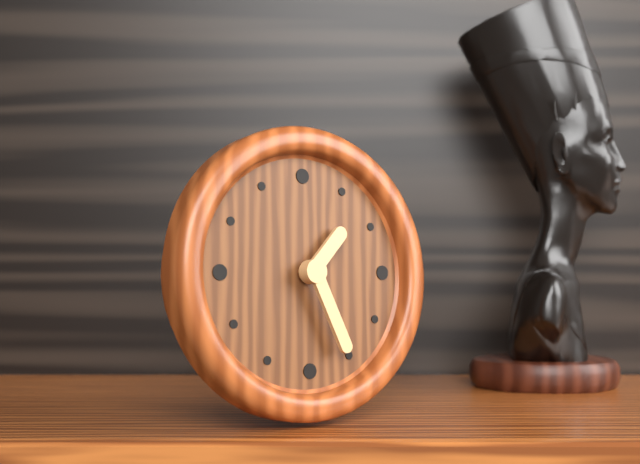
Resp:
1:26
